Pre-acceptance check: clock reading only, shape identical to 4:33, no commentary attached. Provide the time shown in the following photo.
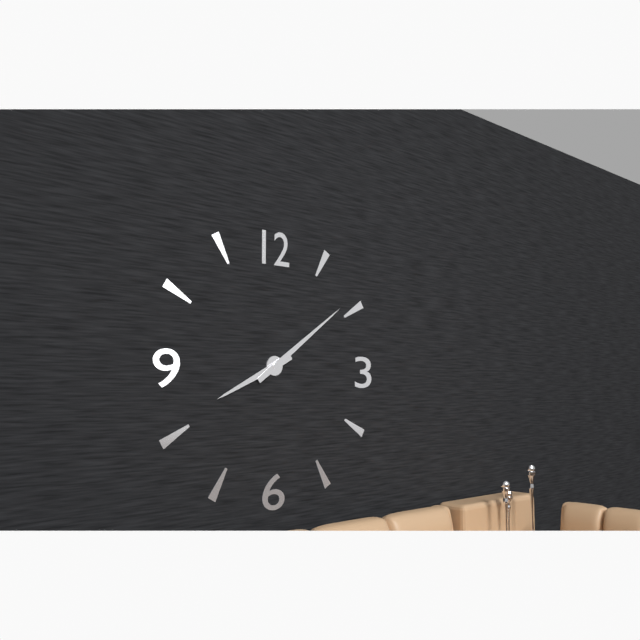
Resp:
8:09
